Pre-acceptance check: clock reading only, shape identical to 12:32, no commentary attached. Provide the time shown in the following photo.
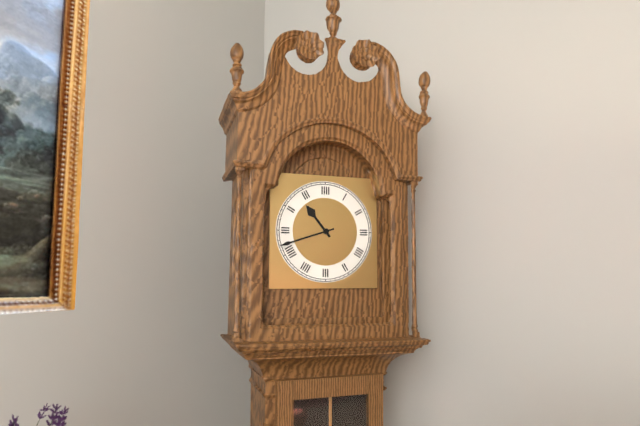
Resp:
10:42
